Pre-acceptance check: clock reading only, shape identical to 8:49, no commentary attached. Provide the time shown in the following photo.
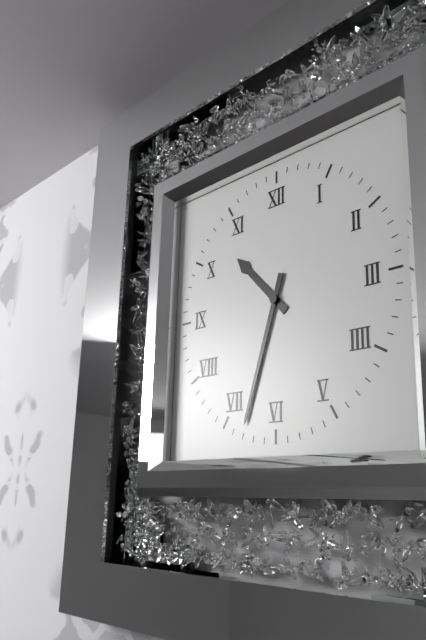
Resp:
10:33
